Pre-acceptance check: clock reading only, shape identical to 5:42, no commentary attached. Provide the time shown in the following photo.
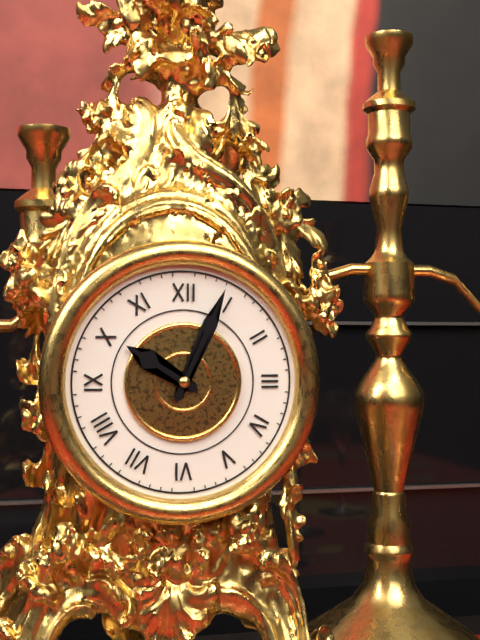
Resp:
10:04
